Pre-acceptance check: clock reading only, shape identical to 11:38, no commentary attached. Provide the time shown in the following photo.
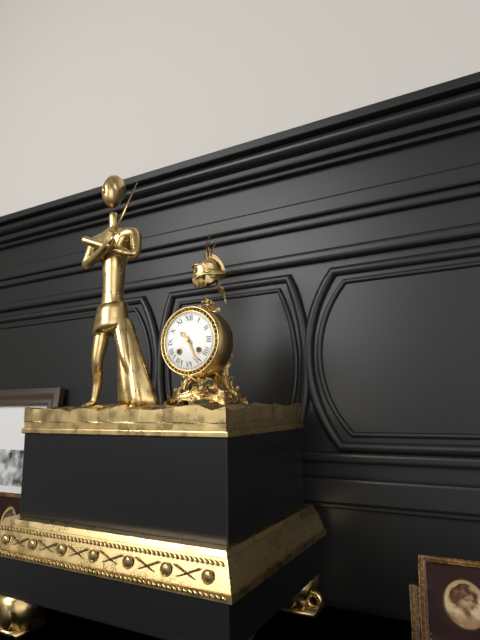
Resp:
10:26
